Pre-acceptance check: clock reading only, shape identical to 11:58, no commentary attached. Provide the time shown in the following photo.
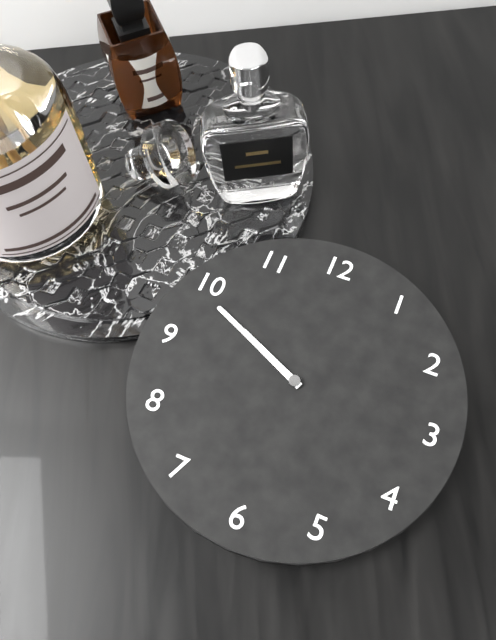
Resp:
9:49
